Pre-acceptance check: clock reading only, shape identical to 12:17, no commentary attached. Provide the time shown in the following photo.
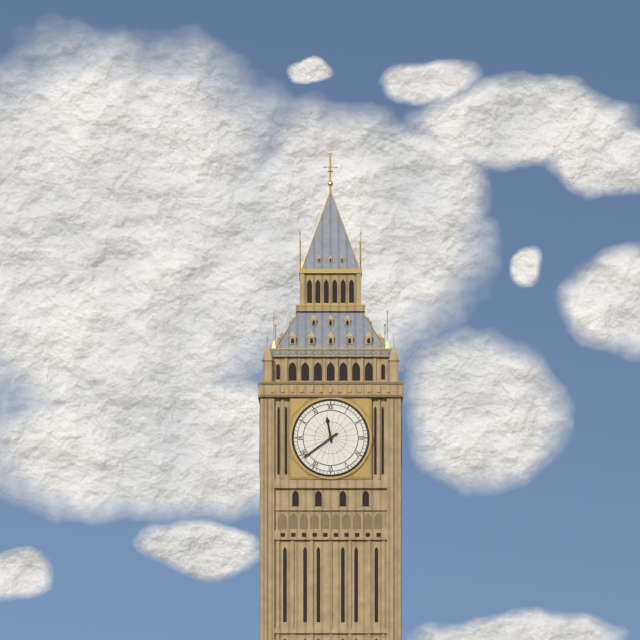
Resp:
11:39
